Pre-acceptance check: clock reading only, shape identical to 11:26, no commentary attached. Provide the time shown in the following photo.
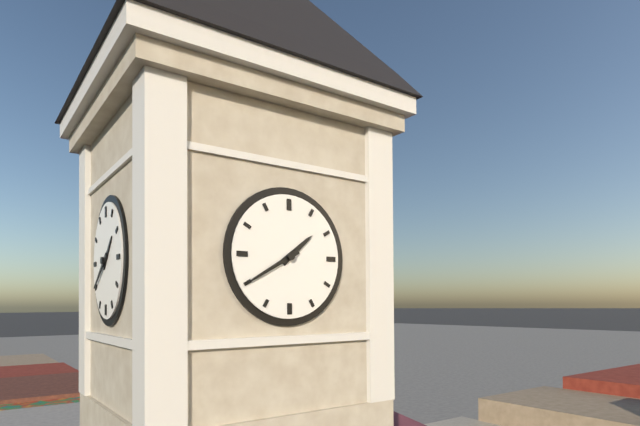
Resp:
1:40
